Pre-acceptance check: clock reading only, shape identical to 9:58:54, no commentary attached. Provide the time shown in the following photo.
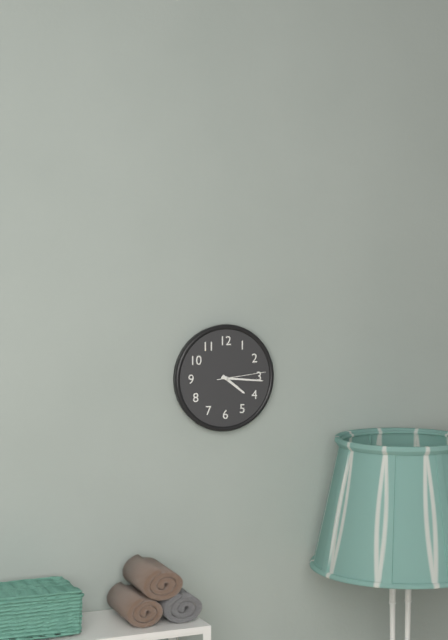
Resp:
4:16:14
